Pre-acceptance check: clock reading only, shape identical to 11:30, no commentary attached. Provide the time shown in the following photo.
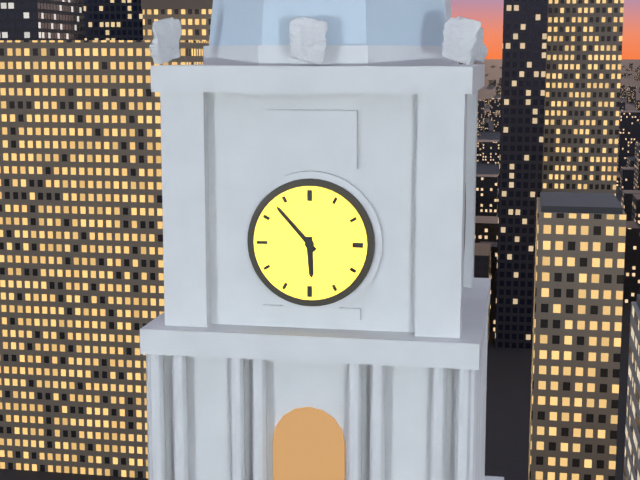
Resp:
5:53
